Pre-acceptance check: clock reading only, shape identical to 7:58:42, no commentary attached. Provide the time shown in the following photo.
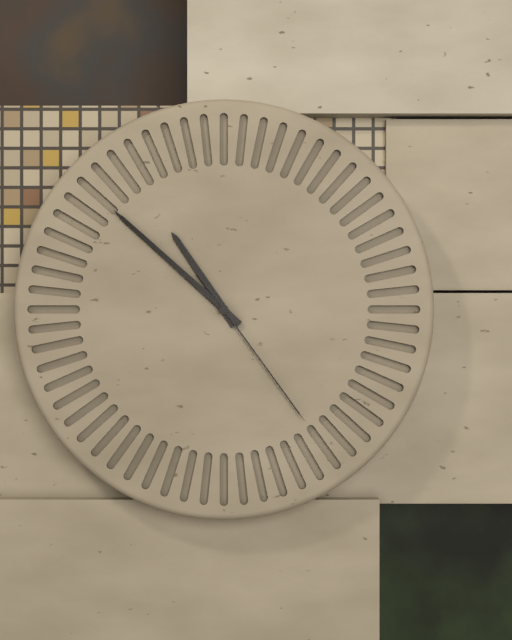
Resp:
10:52:24
